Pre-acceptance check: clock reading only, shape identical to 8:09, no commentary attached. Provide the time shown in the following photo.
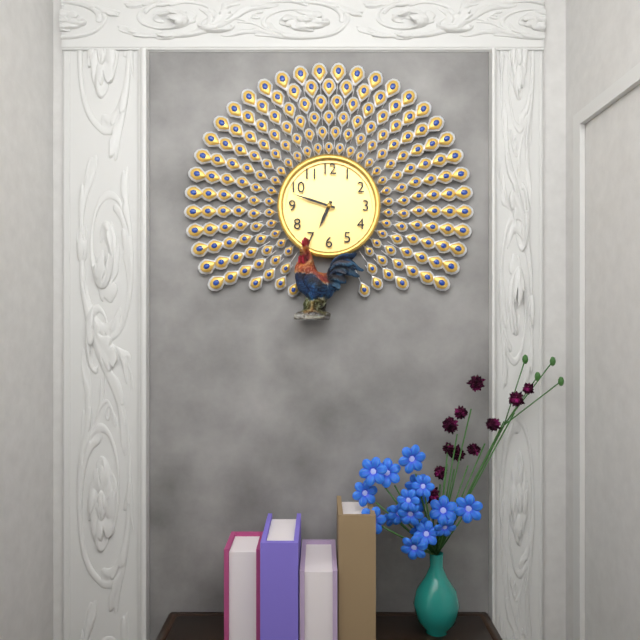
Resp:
6:48
